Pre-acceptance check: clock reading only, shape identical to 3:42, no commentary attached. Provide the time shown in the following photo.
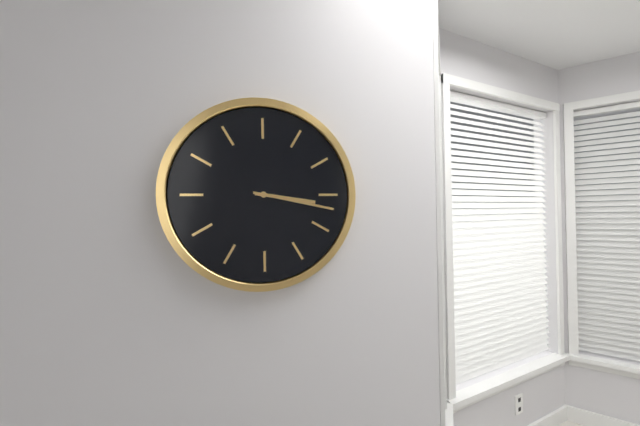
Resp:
3:17
